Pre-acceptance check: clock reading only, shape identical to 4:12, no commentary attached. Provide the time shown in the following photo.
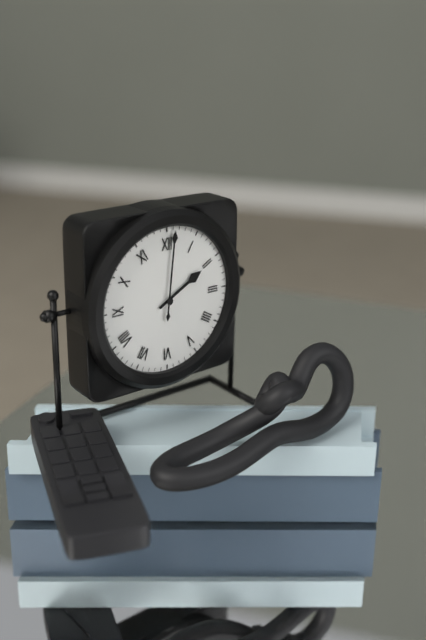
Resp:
2:01
